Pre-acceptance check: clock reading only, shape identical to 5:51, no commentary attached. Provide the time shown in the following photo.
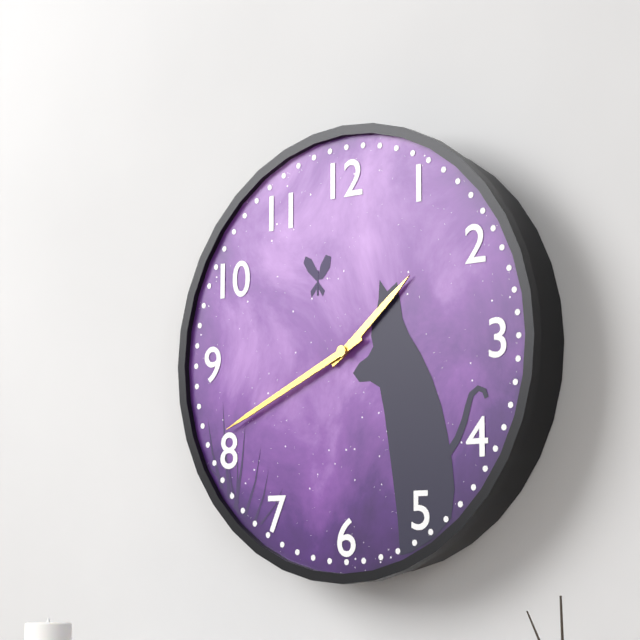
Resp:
1:41
